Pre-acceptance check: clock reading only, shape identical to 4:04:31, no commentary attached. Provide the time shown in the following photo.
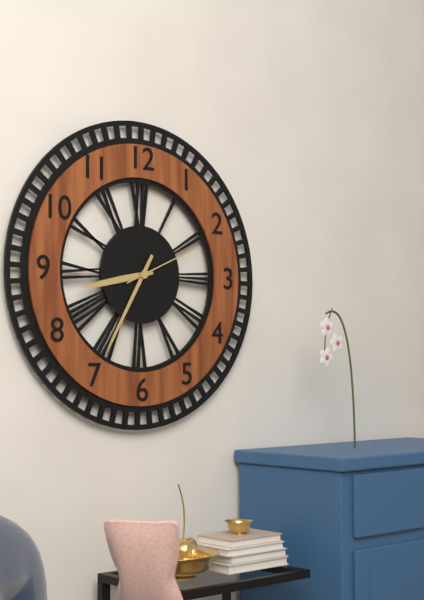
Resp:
8:35:11
